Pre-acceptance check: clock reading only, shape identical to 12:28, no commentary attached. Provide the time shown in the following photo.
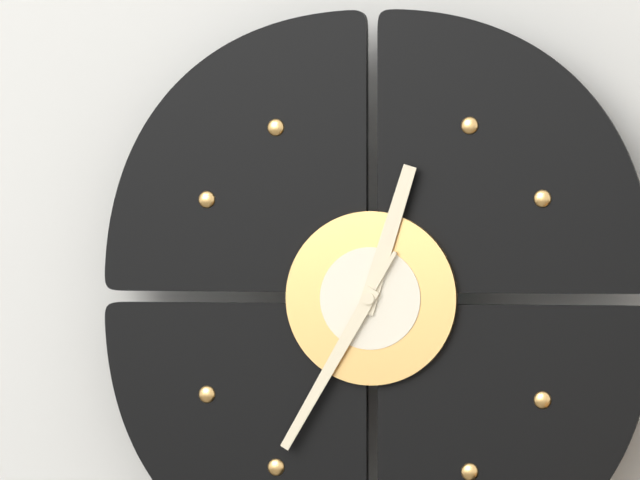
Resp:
12:35
